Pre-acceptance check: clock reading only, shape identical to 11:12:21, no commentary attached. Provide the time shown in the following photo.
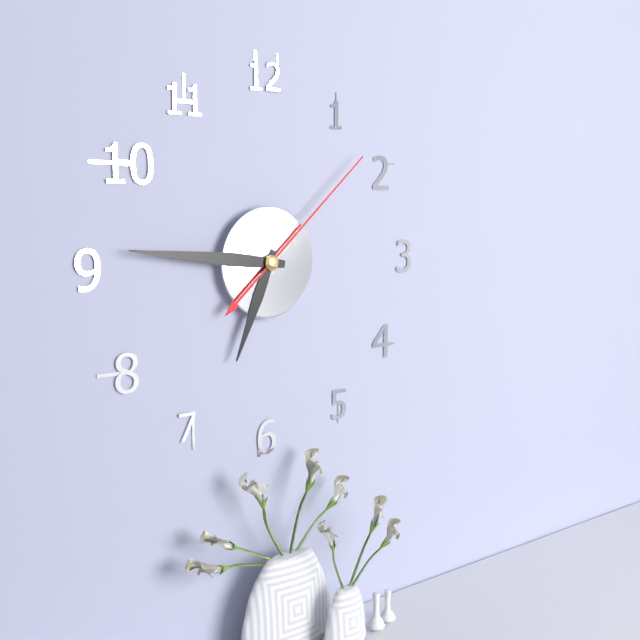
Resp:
6:46:08
